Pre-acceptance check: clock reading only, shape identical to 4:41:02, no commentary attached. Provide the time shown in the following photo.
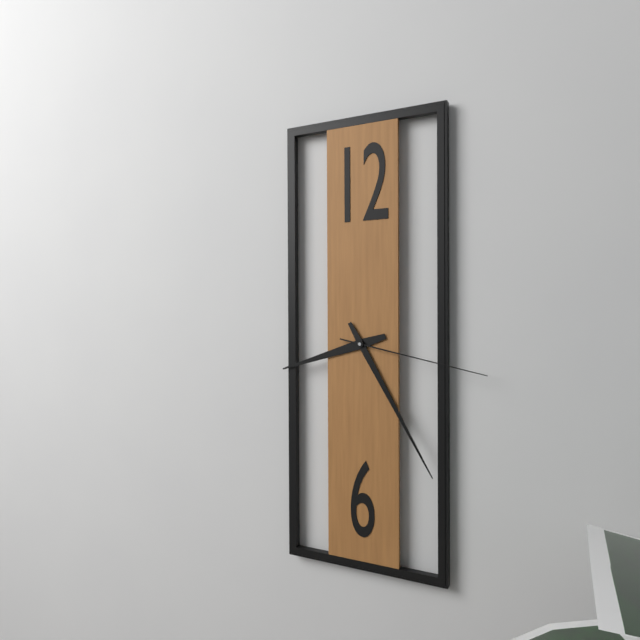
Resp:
8:25:17
